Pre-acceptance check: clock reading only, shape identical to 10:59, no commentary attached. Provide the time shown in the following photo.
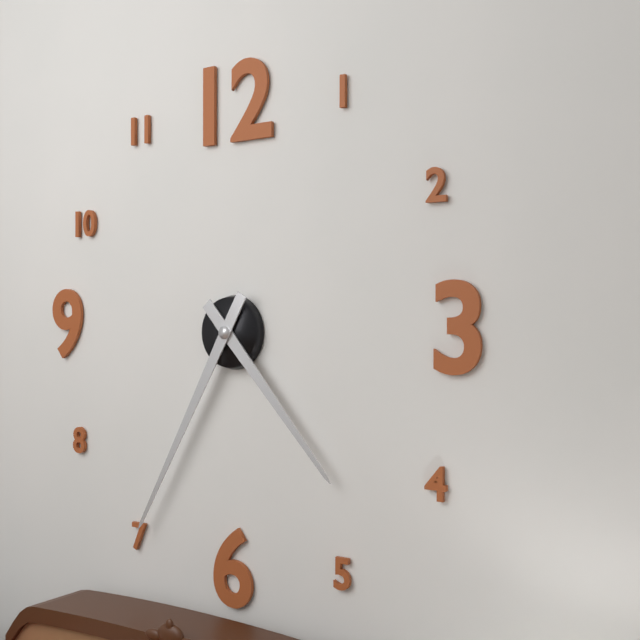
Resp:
4:35
